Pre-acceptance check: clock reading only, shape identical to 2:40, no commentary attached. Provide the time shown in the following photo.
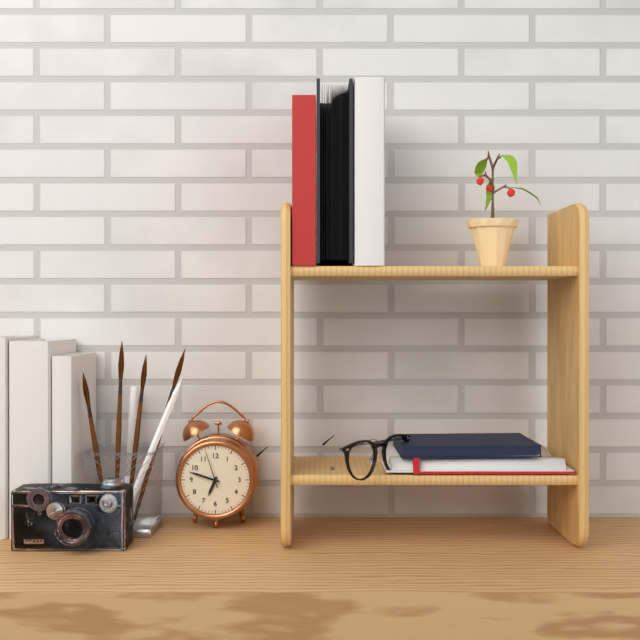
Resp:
6:48
